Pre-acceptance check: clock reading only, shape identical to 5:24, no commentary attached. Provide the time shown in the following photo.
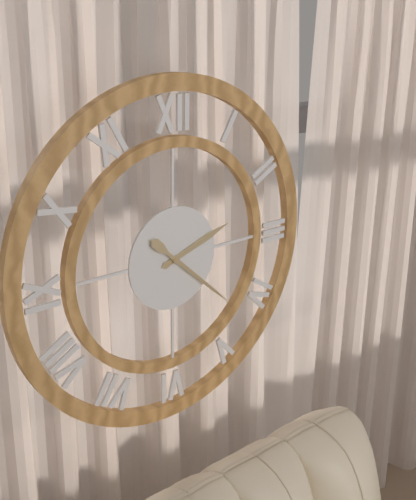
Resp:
2:22
